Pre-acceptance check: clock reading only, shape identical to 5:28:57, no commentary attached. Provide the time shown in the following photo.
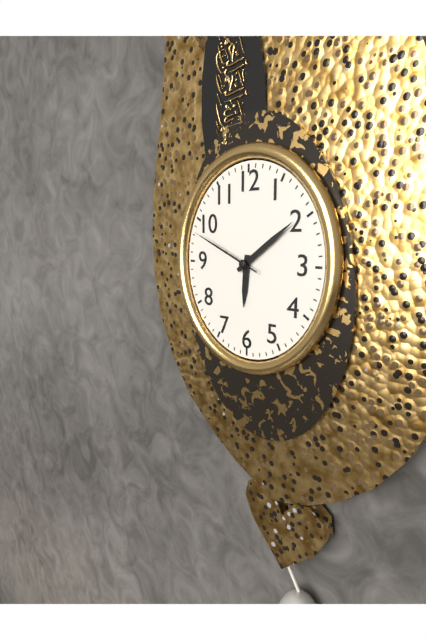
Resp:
6:09:49
